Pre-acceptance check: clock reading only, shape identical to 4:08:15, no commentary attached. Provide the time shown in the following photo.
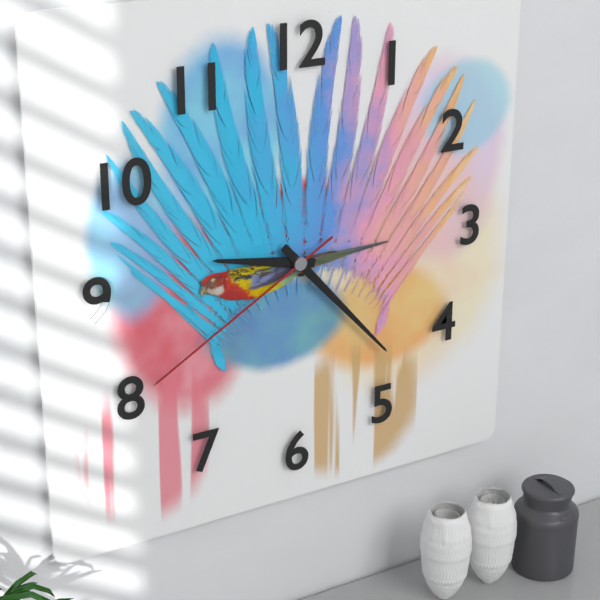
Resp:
9:23:40
